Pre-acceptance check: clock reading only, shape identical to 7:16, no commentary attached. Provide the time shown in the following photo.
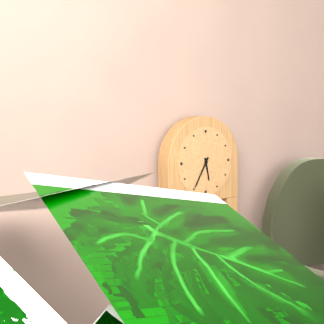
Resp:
5:35
